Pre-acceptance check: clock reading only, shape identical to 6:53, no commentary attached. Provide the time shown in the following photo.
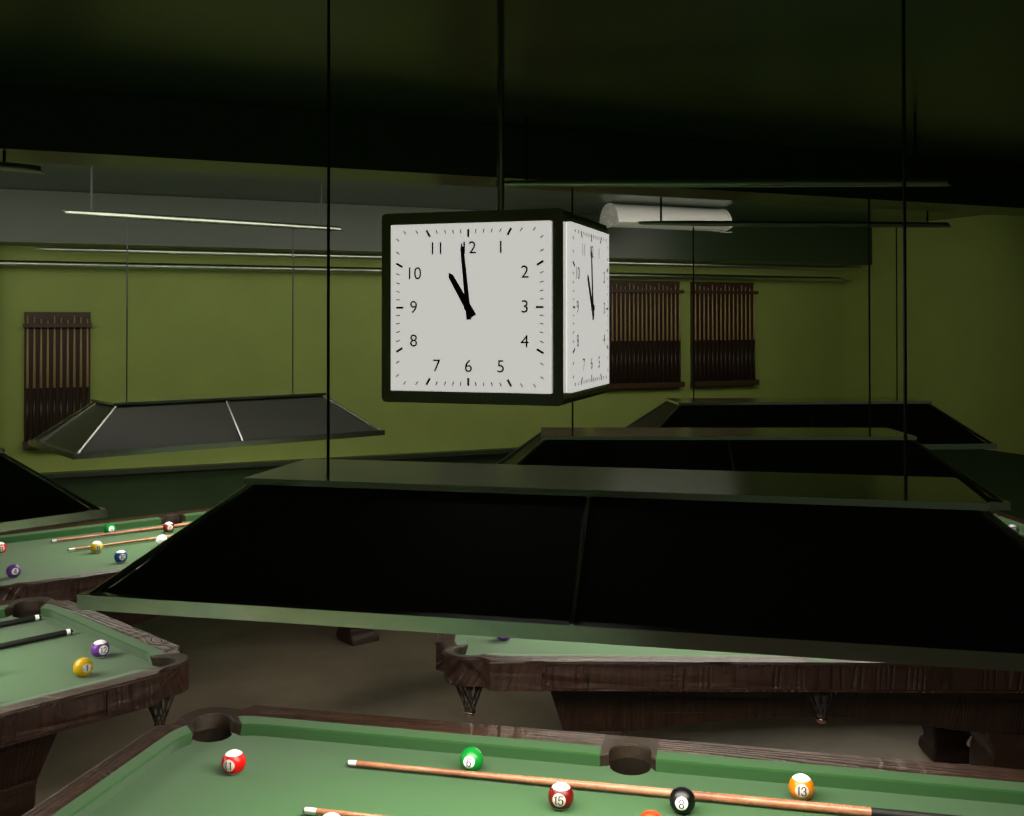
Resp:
10:59
